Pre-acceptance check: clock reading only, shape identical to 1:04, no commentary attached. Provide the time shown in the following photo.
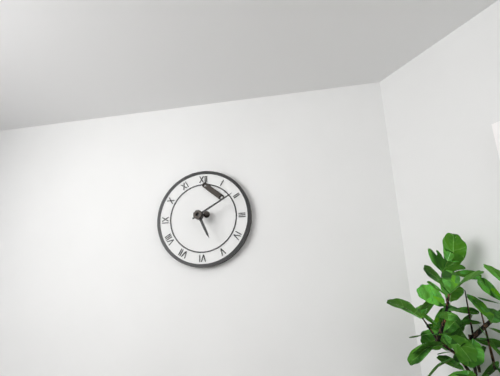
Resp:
5:10
